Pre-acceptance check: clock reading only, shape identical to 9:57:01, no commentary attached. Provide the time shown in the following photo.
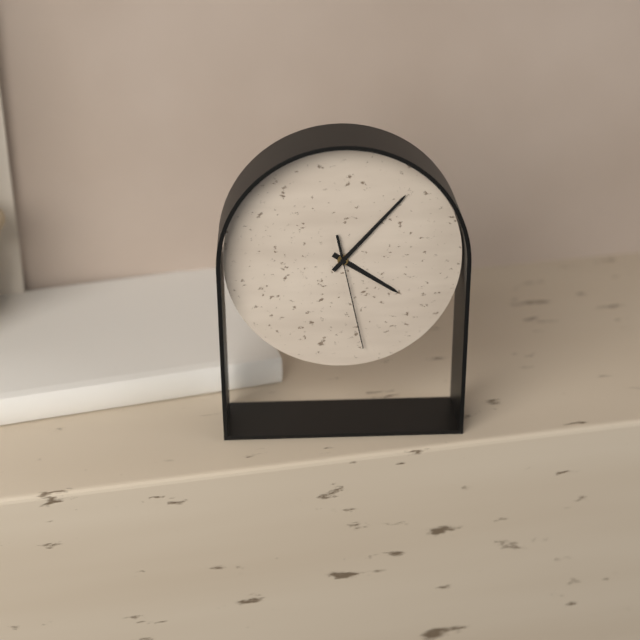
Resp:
4:07:28
